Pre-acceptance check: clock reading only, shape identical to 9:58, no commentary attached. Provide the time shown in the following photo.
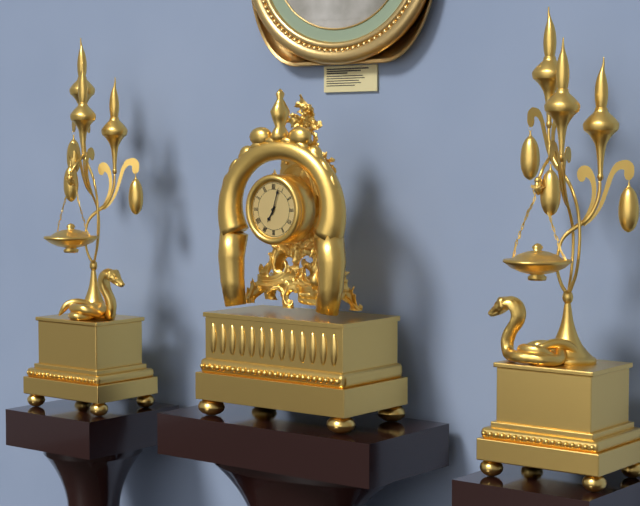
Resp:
7:03
